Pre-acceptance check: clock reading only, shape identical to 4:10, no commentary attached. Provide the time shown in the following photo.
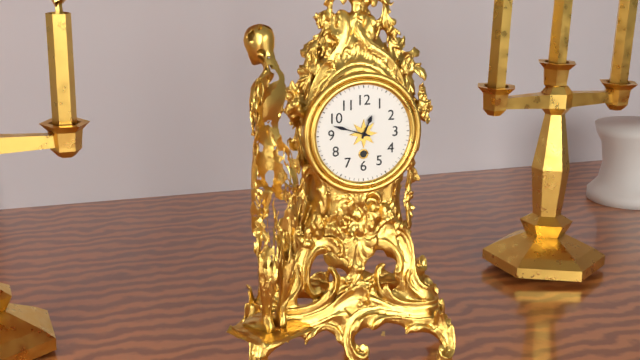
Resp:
12:48
